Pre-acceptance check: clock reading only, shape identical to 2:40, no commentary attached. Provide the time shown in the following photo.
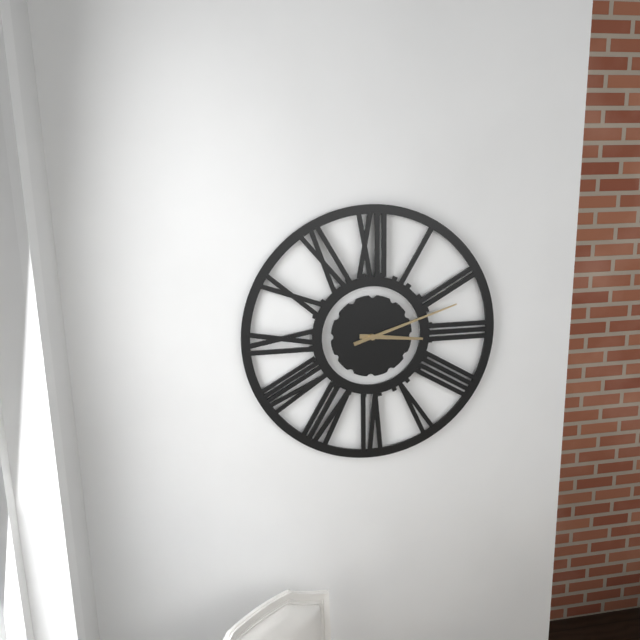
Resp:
3:12
